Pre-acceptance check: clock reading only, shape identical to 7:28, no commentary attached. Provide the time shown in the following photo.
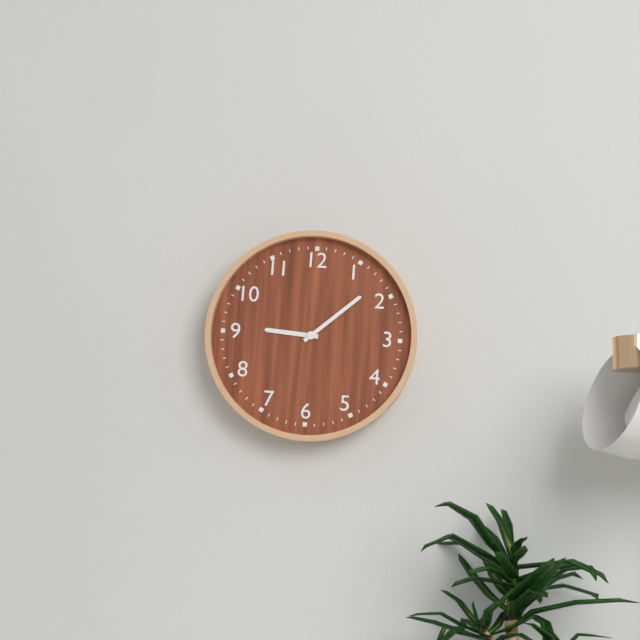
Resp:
9:08
